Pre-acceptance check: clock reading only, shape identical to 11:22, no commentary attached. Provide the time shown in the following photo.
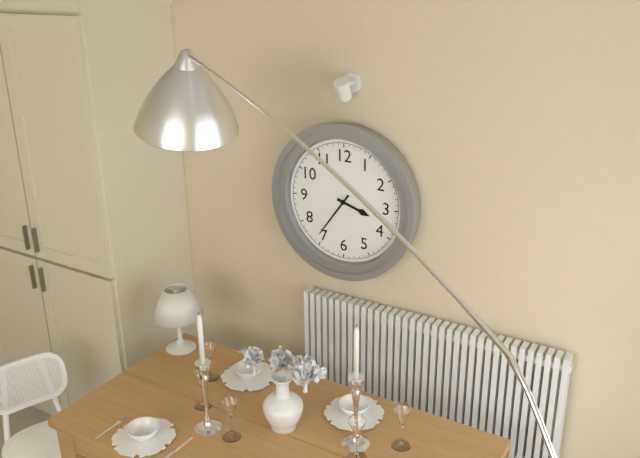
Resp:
3:36
